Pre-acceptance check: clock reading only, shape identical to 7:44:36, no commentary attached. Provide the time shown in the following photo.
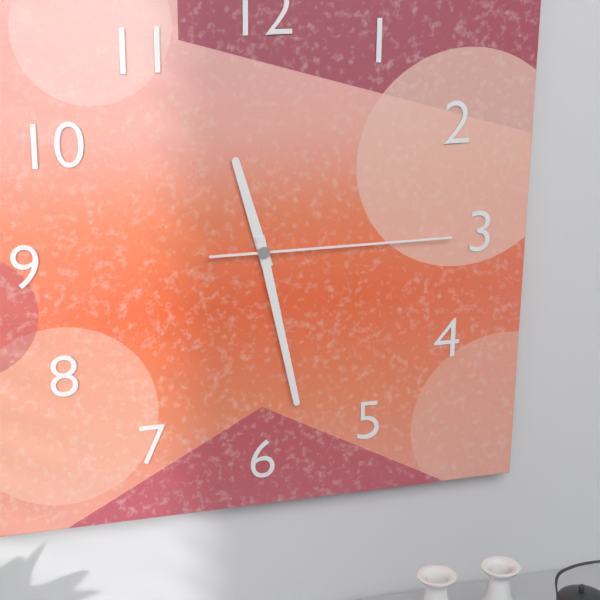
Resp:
11:28:15
